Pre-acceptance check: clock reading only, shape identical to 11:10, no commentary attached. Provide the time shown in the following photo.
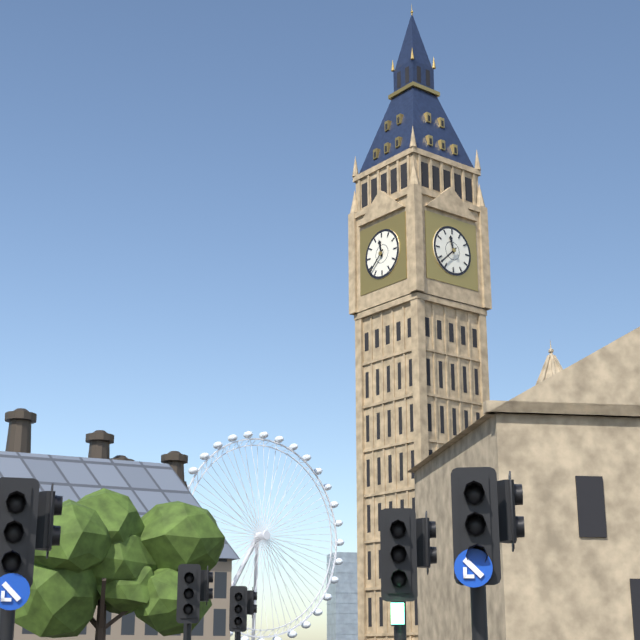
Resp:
11:38
